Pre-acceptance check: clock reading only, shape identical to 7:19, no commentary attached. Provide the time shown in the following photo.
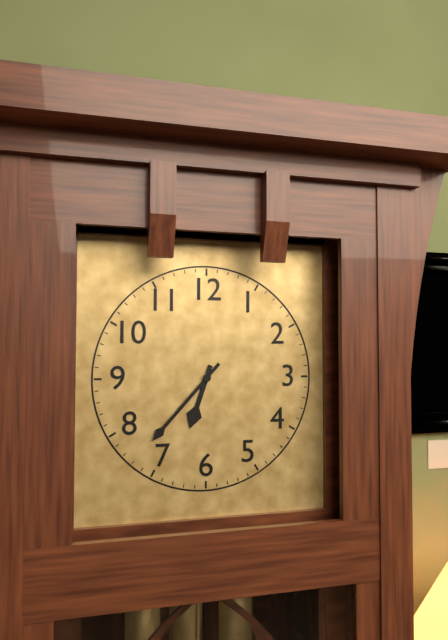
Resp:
6:37
